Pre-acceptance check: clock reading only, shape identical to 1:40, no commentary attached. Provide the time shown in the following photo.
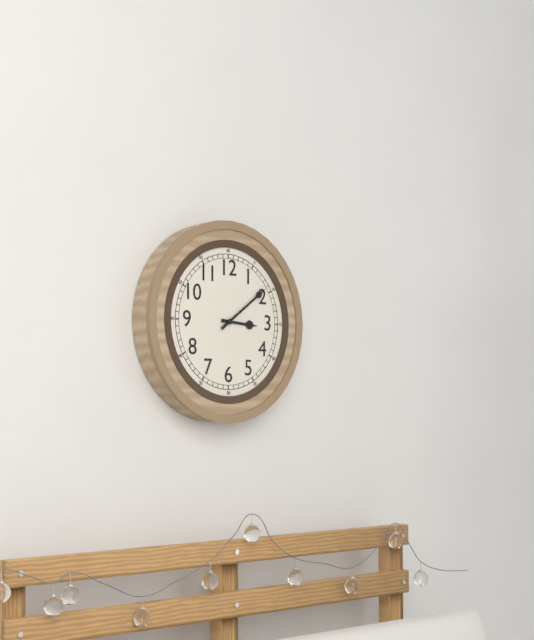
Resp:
3:09
